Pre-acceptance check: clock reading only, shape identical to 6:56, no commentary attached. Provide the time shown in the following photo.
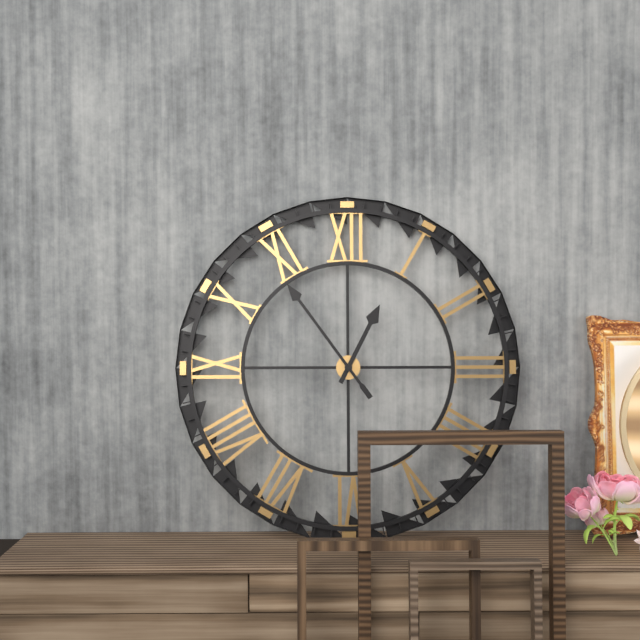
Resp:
12:54
